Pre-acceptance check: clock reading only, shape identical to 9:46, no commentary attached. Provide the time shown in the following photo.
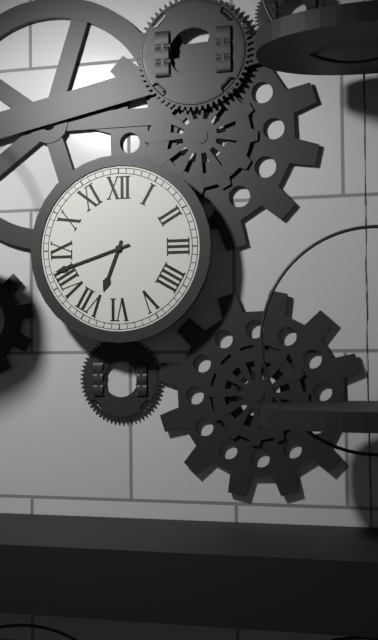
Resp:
6:42
